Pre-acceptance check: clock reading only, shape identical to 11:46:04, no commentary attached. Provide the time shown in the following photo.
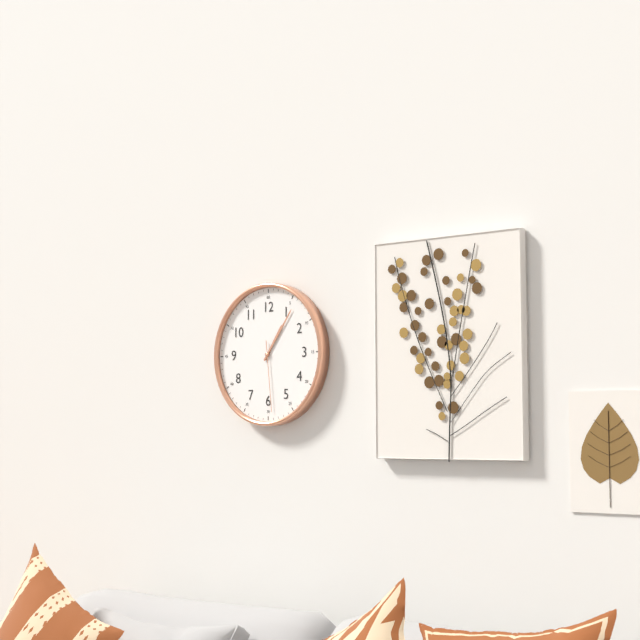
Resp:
1:06:29
